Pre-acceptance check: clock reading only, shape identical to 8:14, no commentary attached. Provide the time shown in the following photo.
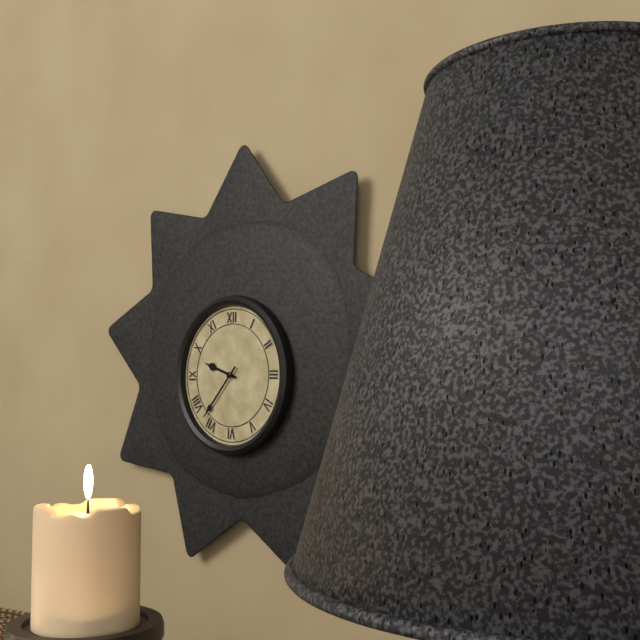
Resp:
9:37
